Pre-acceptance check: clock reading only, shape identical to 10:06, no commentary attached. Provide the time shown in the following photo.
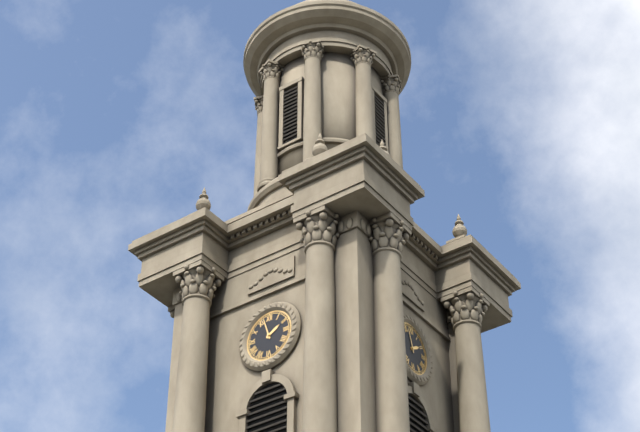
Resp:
1:57
